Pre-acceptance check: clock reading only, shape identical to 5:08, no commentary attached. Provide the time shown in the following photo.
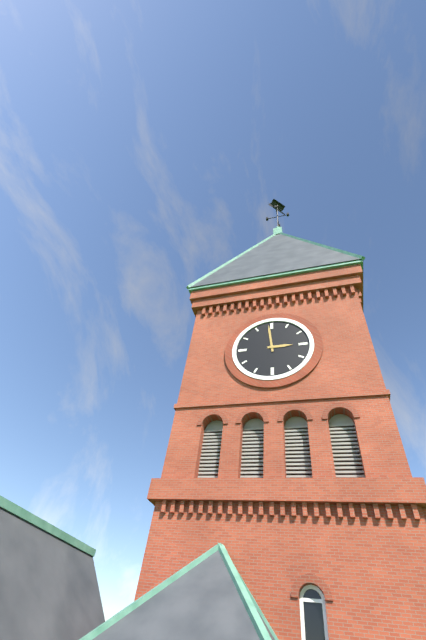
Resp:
2:59
